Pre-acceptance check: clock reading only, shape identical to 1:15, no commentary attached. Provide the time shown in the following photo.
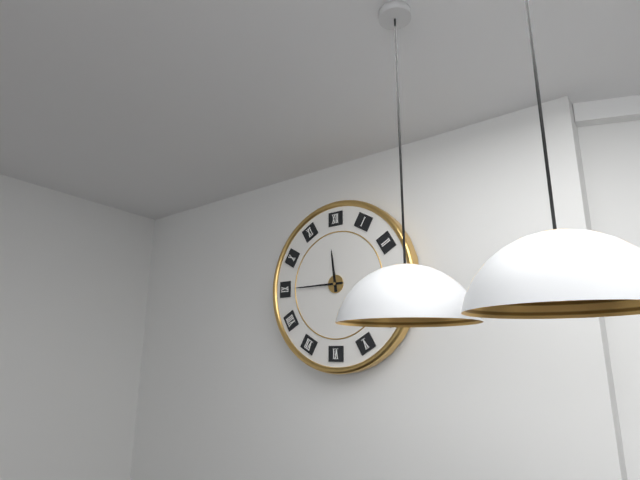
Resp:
11:45
